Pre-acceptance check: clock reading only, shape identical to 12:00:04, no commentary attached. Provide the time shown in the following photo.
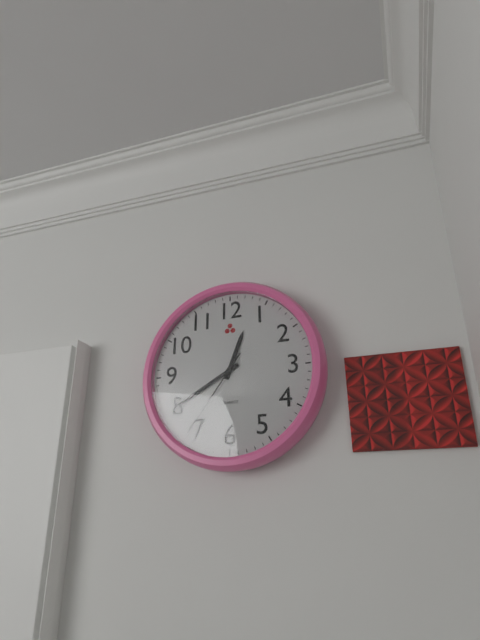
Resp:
12:40:36
